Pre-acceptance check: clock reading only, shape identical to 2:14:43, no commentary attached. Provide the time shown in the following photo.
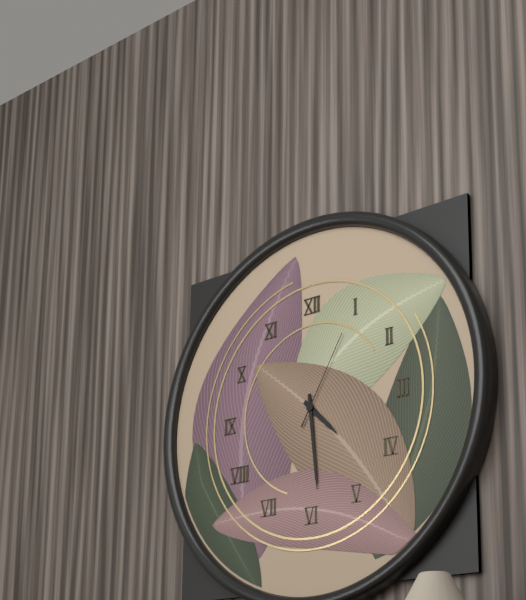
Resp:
4:29:05
